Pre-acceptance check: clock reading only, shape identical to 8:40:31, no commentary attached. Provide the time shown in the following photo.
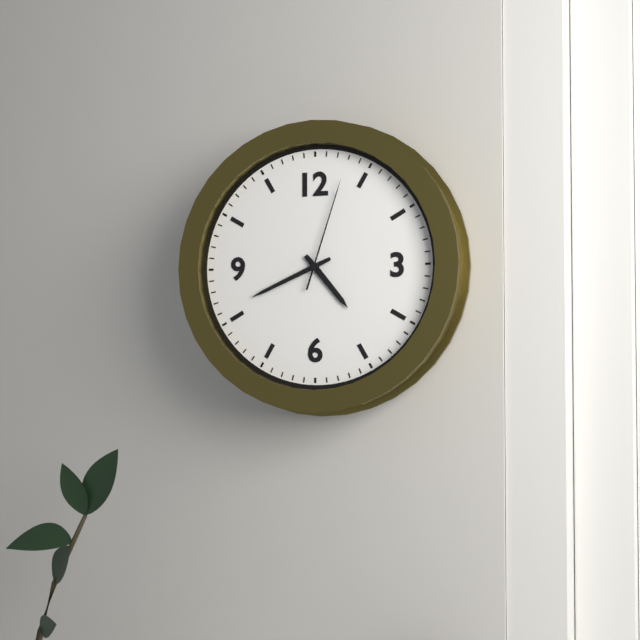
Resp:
4:41:03
